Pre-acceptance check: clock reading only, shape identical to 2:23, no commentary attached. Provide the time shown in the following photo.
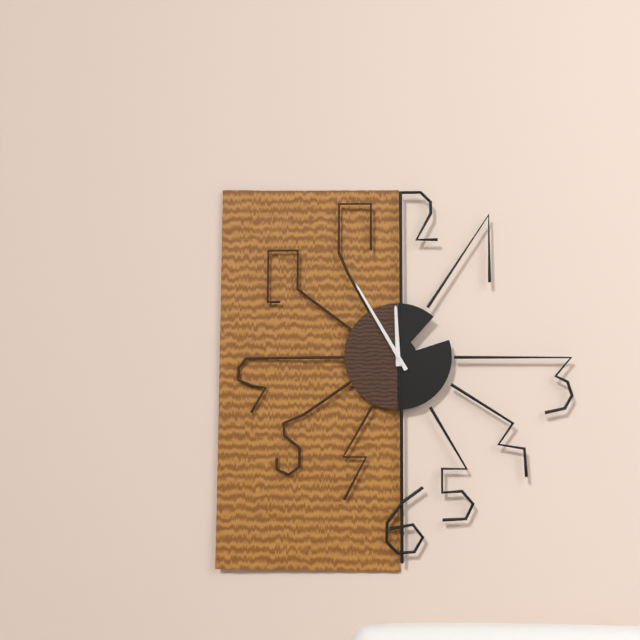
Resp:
11:55
